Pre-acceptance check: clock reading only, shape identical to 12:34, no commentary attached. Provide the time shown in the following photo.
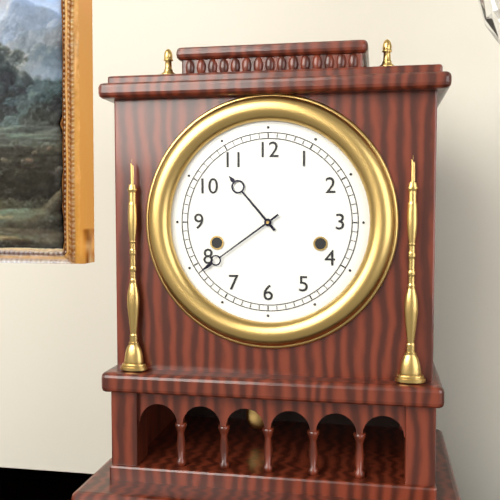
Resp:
10:39
